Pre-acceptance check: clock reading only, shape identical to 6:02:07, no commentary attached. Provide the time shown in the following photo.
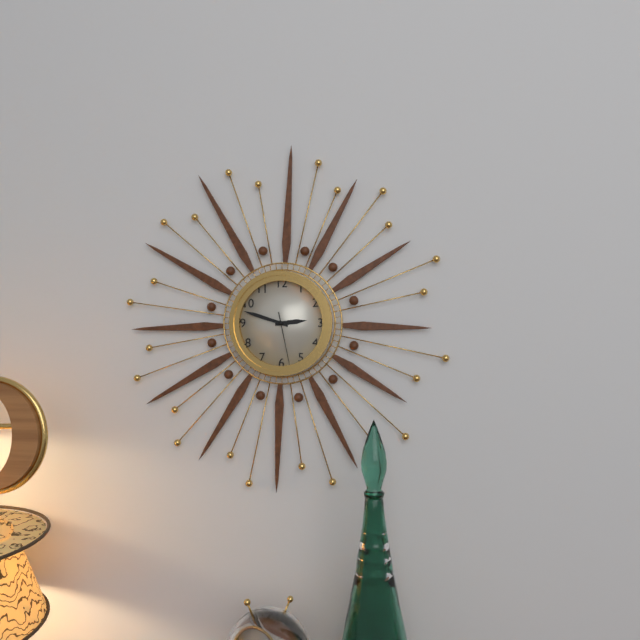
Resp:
2:48:28
